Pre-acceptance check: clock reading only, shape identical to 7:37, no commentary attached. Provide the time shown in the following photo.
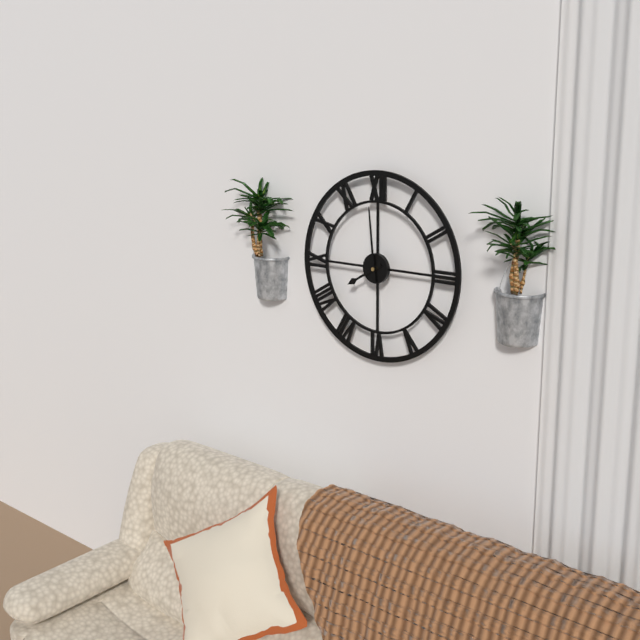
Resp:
7:59
